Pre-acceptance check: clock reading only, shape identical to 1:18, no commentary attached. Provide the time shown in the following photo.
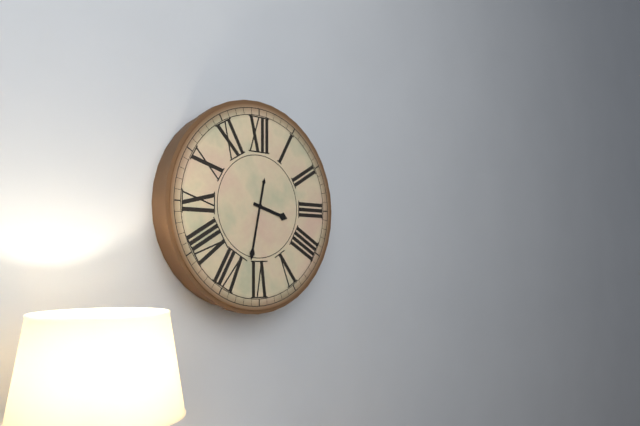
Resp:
3:32
